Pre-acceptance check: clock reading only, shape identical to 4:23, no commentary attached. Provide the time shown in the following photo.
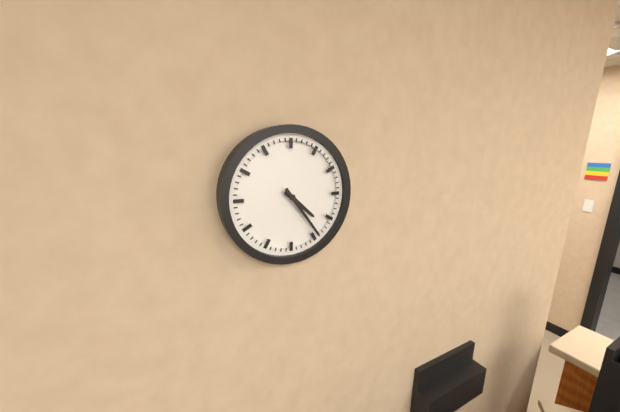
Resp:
4:24
